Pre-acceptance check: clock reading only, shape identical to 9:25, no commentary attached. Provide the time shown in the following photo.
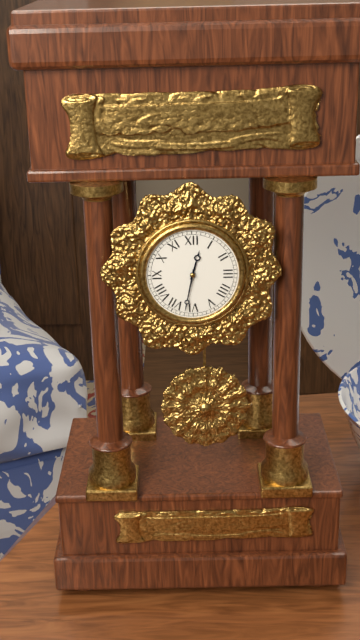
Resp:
12:32
